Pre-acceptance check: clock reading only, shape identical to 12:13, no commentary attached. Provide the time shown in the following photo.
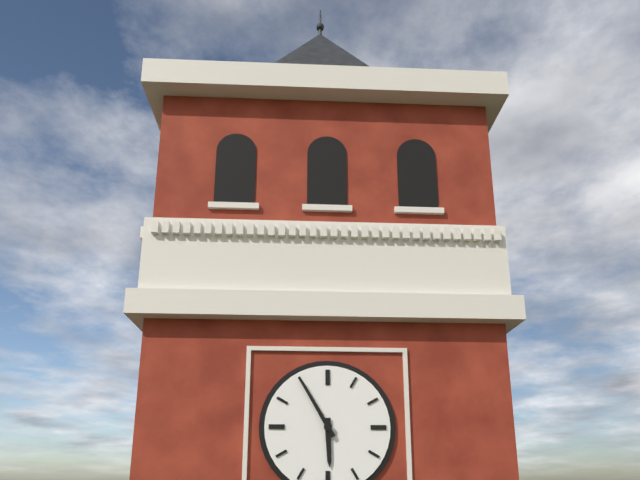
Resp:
5:55
